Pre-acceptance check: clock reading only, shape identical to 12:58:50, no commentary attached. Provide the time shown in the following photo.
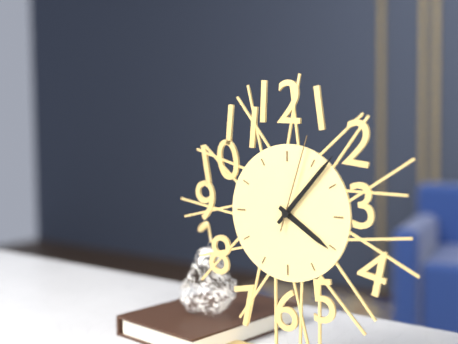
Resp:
4:07:03
